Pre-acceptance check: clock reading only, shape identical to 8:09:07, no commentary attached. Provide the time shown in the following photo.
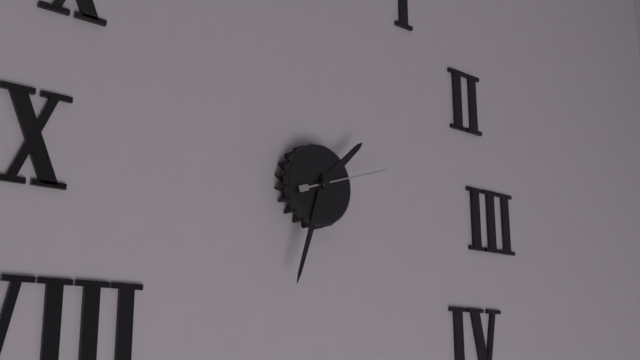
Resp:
1:33:12
